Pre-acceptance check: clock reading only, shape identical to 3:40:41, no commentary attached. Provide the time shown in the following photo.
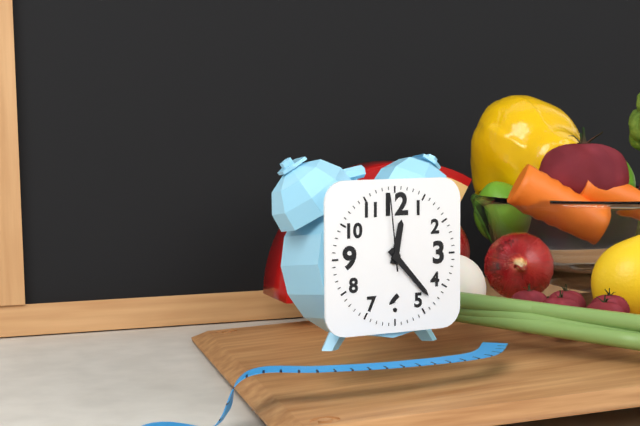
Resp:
12:23:59
